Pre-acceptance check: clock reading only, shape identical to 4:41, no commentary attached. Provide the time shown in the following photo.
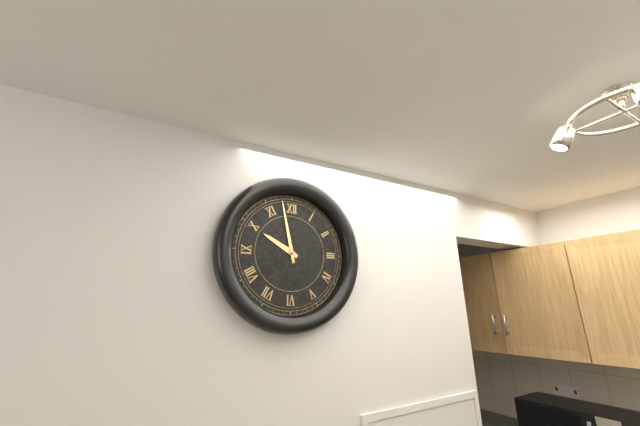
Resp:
9:58
